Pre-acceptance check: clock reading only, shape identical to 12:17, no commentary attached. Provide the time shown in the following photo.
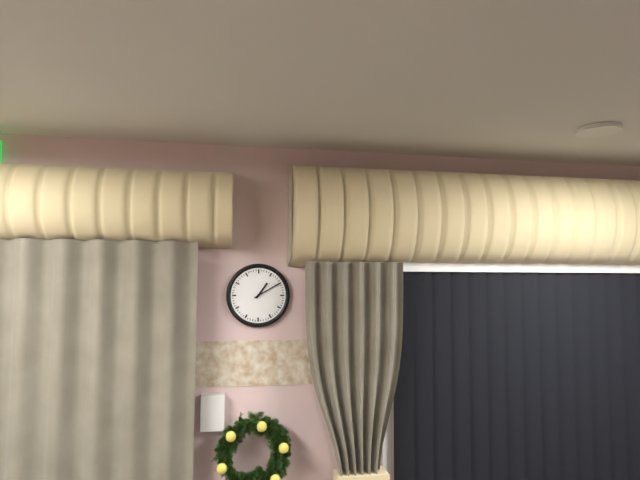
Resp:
1:10
